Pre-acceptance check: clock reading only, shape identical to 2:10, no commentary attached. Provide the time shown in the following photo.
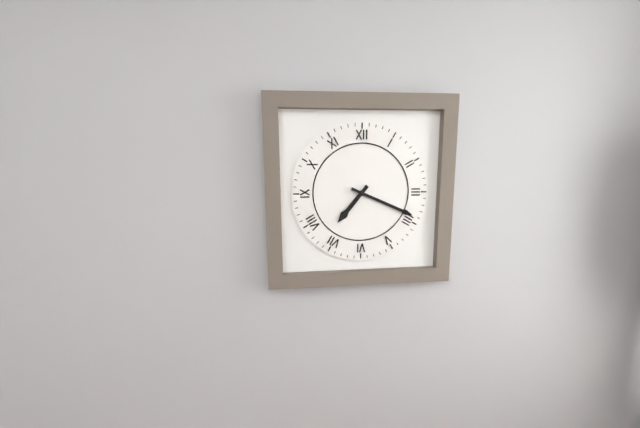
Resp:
7:19
